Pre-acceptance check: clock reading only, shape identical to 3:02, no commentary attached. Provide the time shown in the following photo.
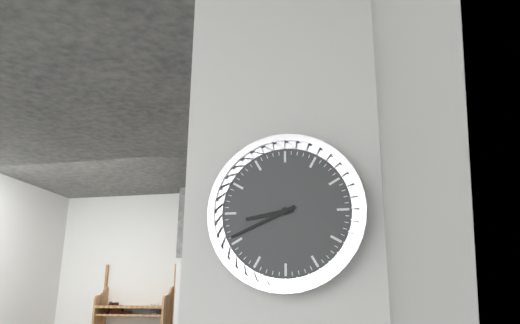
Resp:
8:41
